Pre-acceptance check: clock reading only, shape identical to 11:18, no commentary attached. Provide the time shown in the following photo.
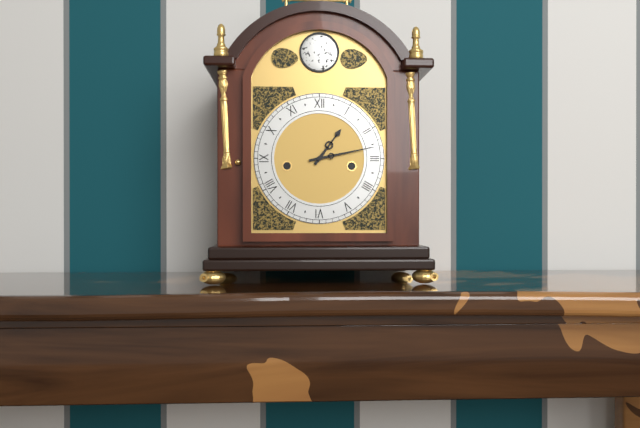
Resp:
1:13
